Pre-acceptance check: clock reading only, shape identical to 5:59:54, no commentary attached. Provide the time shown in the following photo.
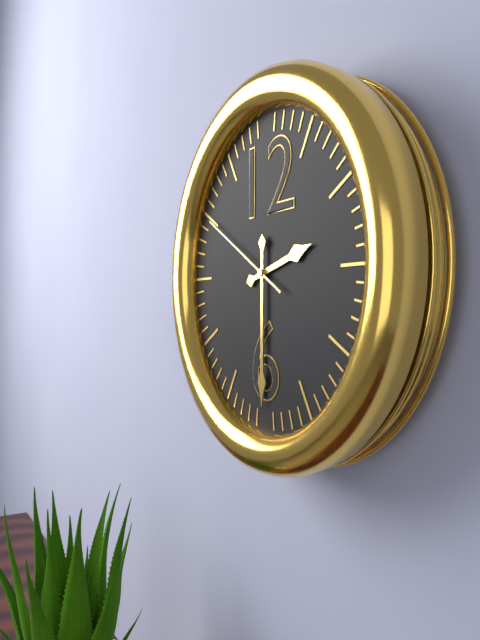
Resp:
2:30:50
